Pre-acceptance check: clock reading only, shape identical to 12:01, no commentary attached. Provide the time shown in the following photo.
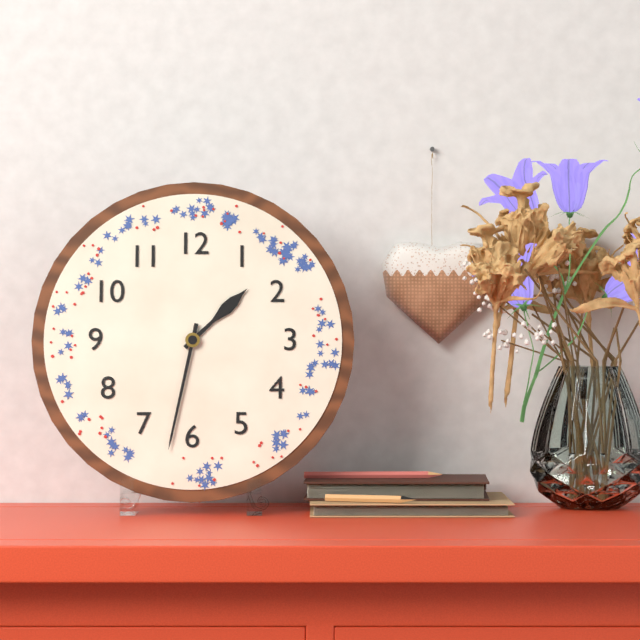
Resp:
1:32
